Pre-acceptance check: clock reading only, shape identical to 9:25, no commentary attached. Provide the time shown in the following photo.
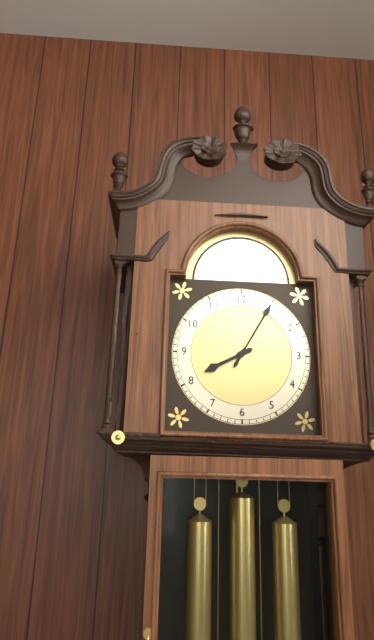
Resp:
8:05
